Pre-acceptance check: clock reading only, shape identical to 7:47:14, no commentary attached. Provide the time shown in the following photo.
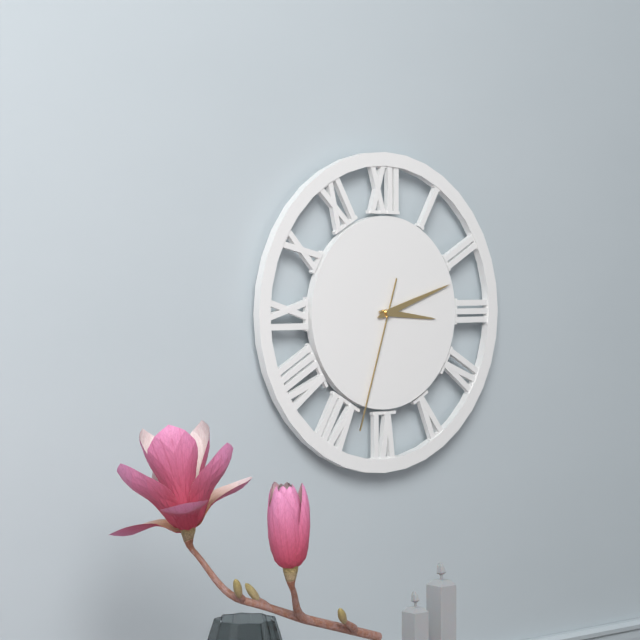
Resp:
3:12:33
